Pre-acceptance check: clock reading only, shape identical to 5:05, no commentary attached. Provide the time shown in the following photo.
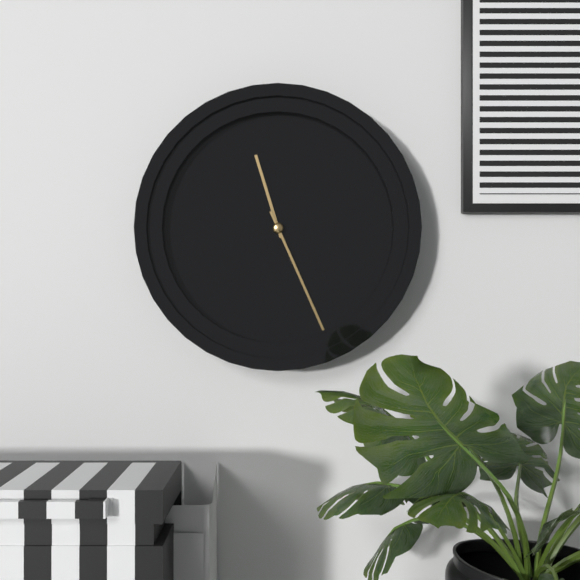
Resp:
11:26
